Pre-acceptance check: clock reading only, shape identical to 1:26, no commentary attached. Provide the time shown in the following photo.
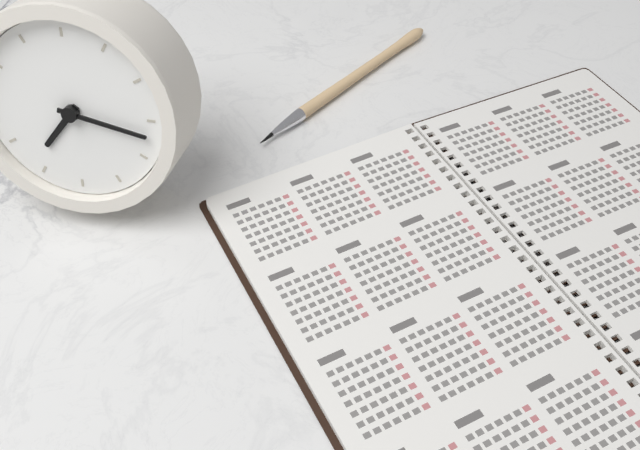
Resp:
7:17
